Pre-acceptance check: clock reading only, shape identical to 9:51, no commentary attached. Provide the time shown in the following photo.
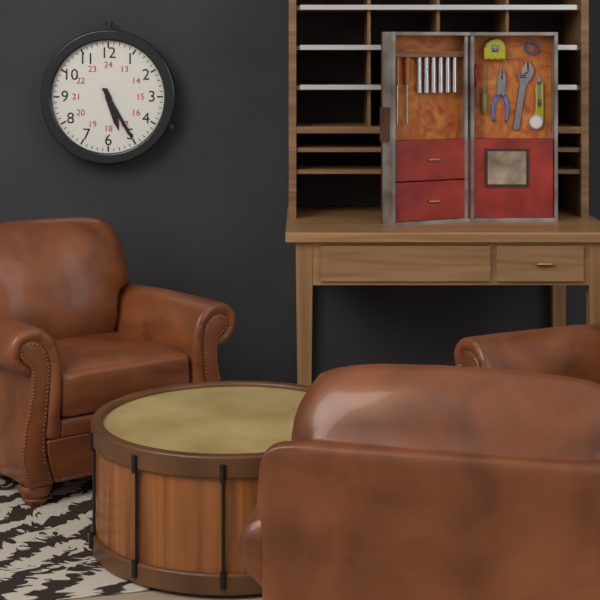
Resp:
5:25
